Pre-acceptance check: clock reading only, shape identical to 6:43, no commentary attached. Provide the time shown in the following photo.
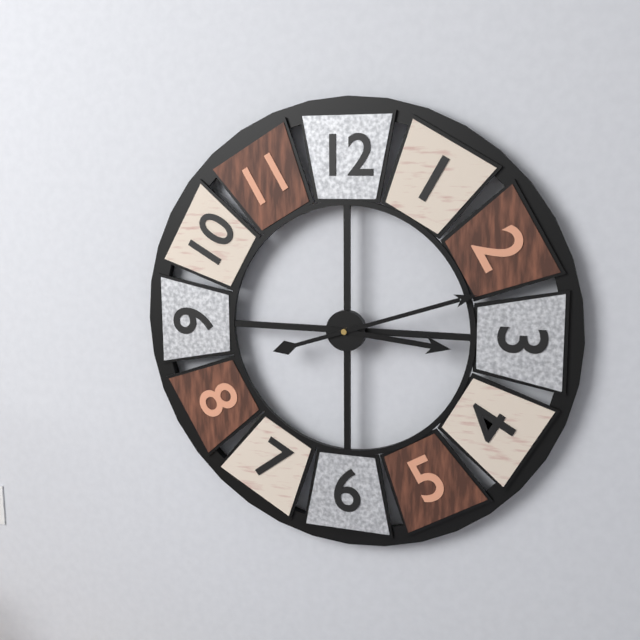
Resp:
3:12
